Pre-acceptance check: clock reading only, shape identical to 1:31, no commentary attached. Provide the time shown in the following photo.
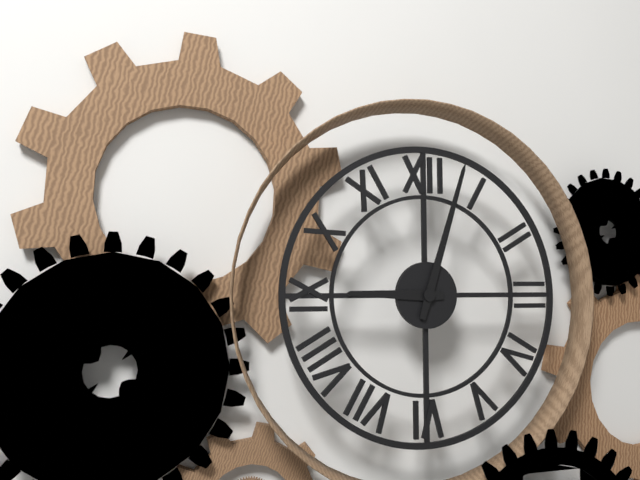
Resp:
9:03
